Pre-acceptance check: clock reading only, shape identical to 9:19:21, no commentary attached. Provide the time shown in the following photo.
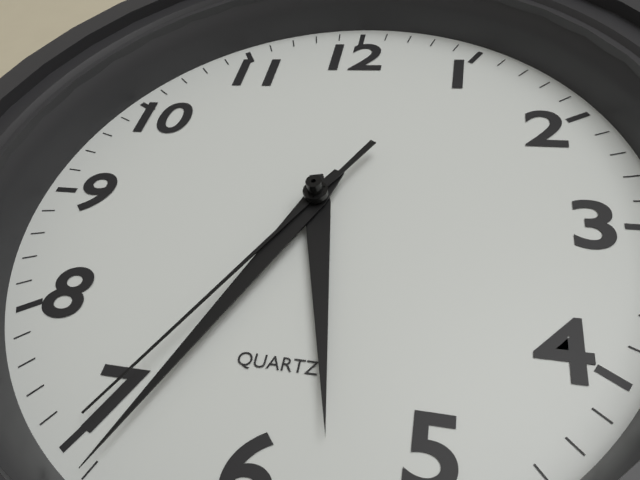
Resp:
5:34:35
